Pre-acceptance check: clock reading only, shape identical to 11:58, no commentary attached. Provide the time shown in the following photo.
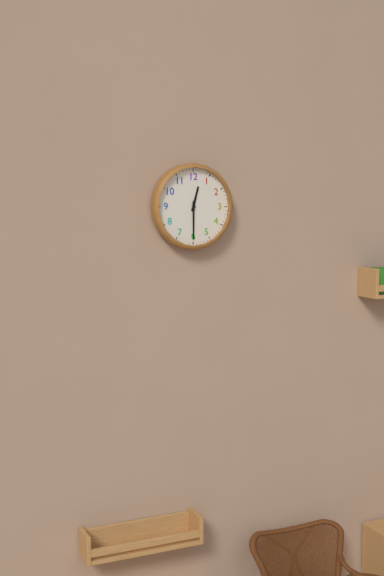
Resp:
12:30
